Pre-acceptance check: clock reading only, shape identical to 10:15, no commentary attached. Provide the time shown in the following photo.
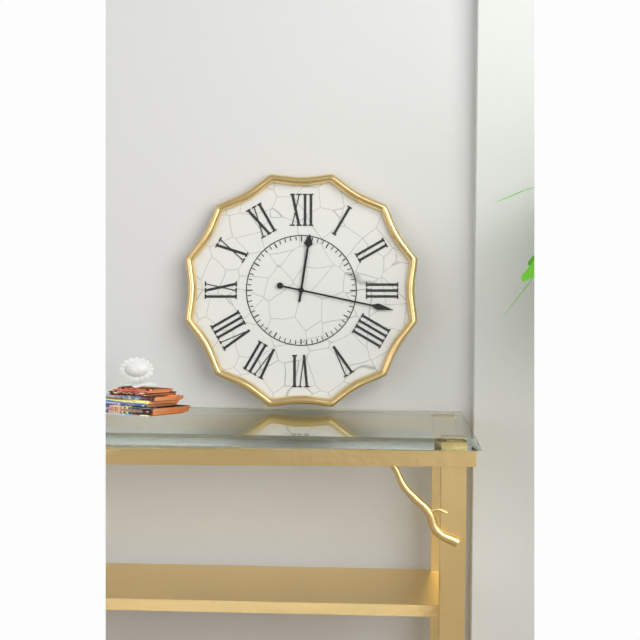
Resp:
12:17
